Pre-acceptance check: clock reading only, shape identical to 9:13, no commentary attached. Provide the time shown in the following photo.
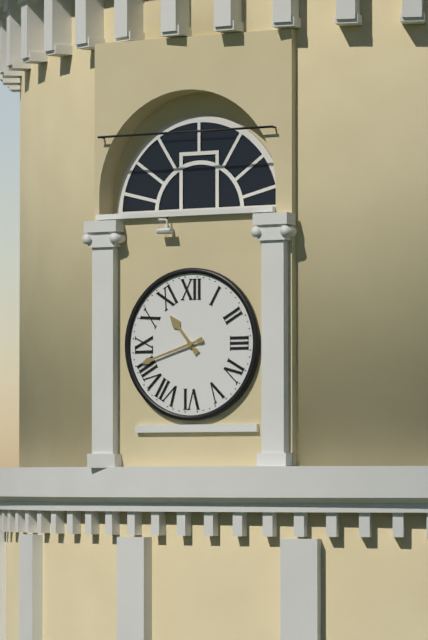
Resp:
10:42
